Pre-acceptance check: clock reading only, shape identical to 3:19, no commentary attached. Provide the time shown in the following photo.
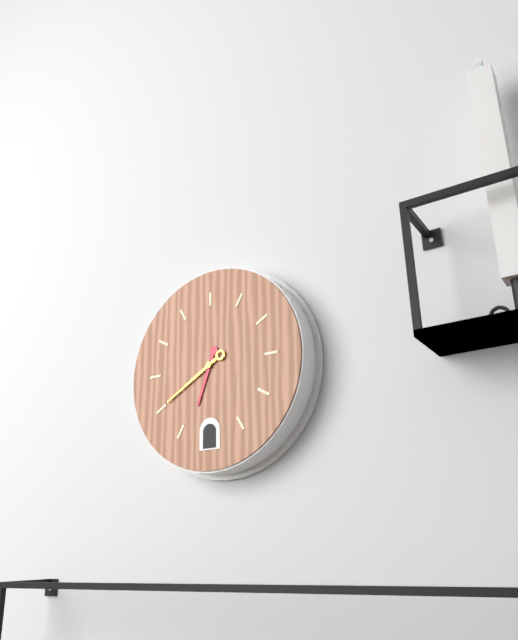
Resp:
6:40
